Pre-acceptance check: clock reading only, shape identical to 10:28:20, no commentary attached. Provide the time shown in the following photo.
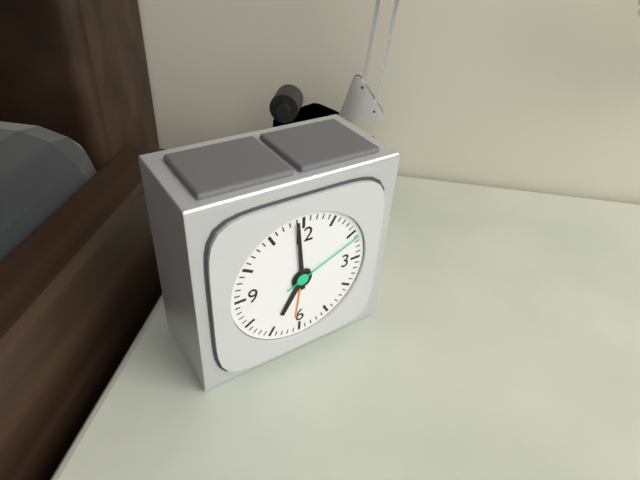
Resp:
6:59:11
